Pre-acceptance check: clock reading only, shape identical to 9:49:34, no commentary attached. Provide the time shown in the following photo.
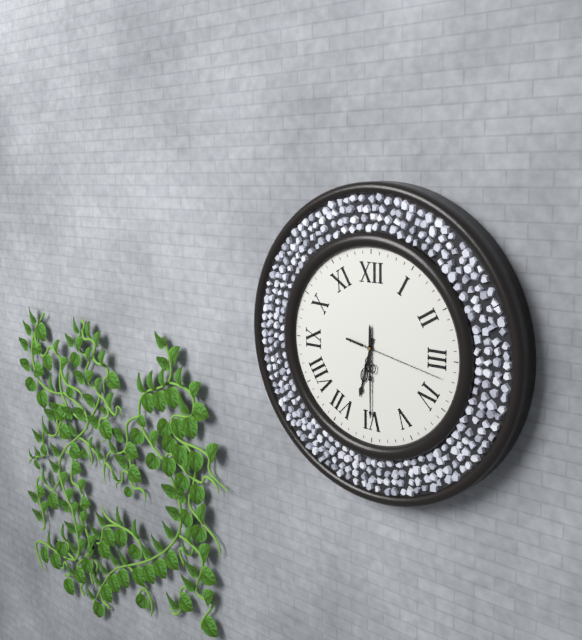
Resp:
6:30:17
